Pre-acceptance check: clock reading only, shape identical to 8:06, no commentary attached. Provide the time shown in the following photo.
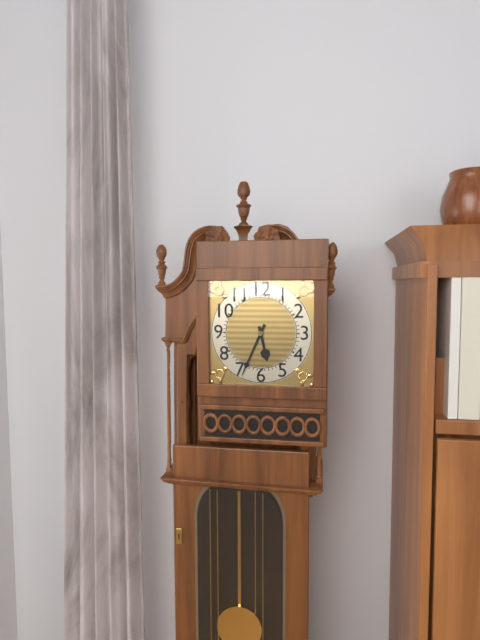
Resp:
5:34
